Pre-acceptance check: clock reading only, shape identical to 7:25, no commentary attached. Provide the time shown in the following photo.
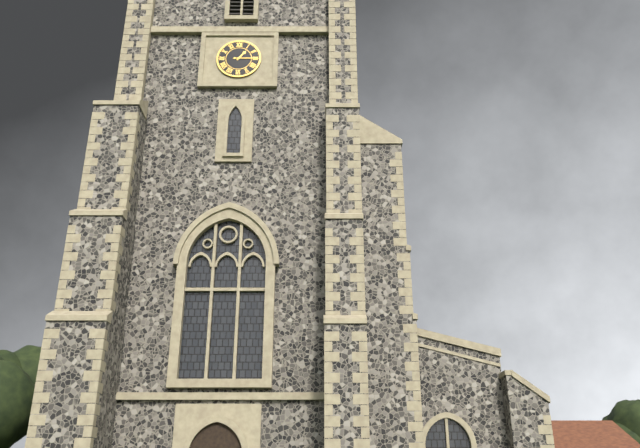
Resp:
1:15
